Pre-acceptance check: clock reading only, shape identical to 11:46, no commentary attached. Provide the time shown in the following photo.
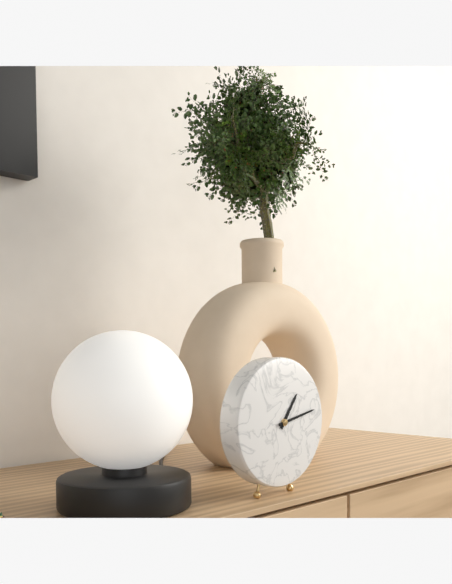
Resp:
1:13
